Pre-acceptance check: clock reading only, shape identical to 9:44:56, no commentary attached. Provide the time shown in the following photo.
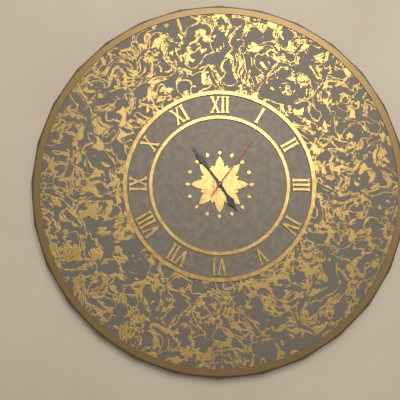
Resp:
4:54:06
